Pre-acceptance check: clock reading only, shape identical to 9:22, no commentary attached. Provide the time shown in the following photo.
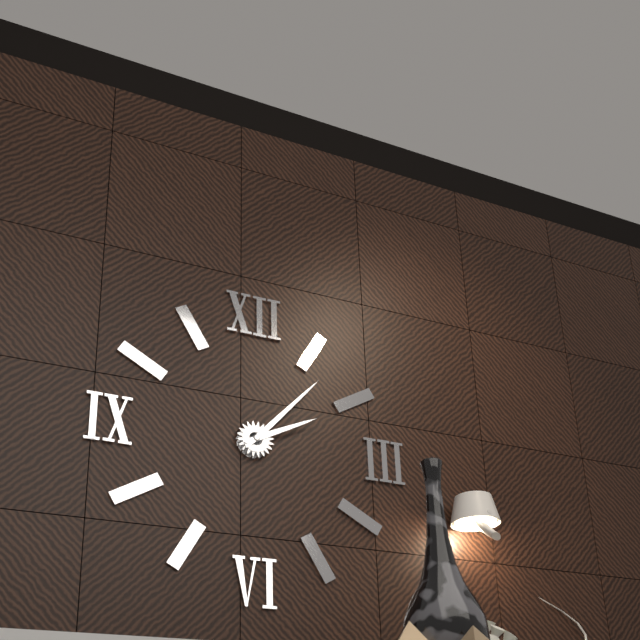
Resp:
2:07
